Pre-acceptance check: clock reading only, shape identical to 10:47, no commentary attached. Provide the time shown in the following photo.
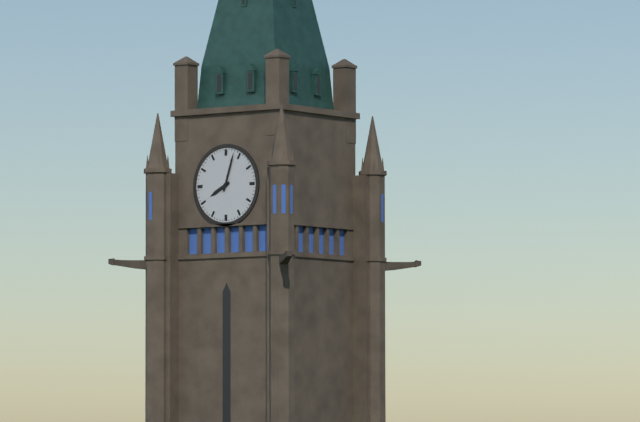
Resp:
8:03
